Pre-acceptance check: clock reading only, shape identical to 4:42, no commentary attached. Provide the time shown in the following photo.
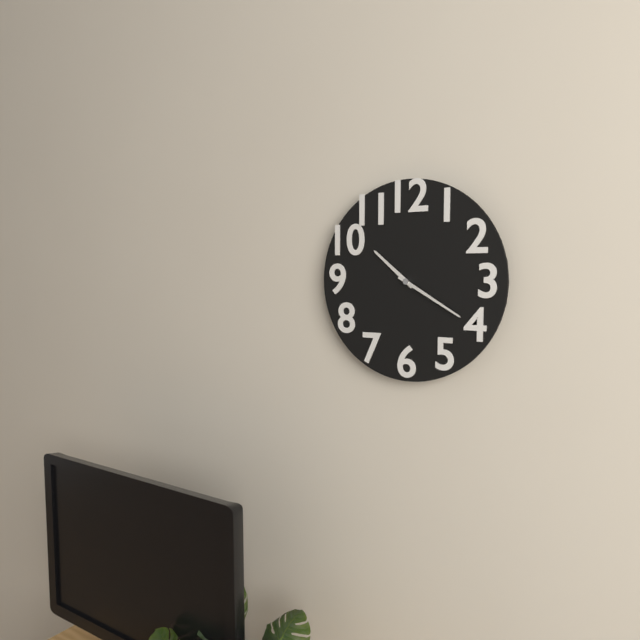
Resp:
10:20
